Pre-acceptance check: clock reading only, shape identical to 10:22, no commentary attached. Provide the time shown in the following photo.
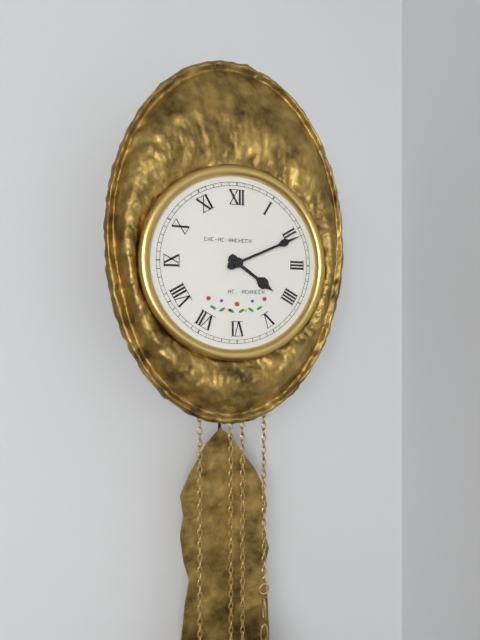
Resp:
4:11
